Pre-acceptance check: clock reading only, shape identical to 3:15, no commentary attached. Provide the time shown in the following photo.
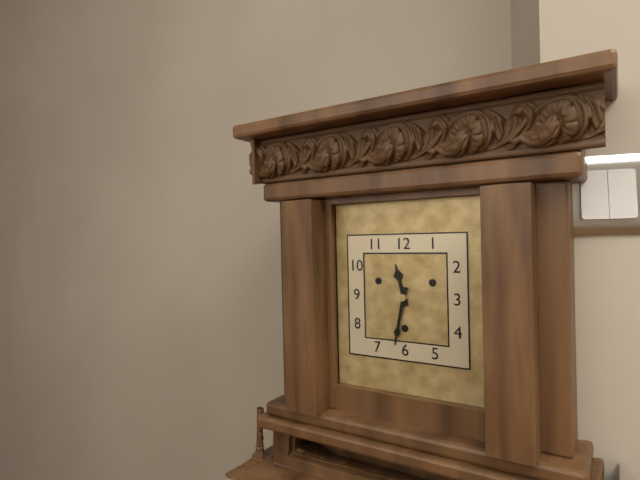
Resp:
11:32
